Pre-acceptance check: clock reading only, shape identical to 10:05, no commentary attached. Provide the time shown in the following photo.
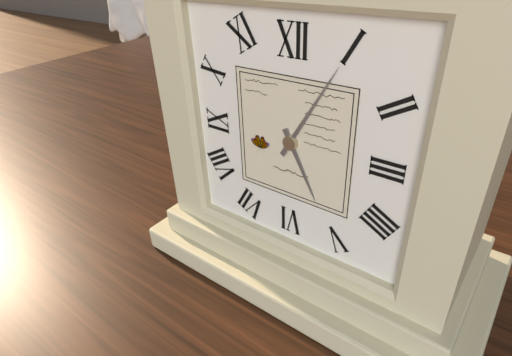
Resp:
5:05
